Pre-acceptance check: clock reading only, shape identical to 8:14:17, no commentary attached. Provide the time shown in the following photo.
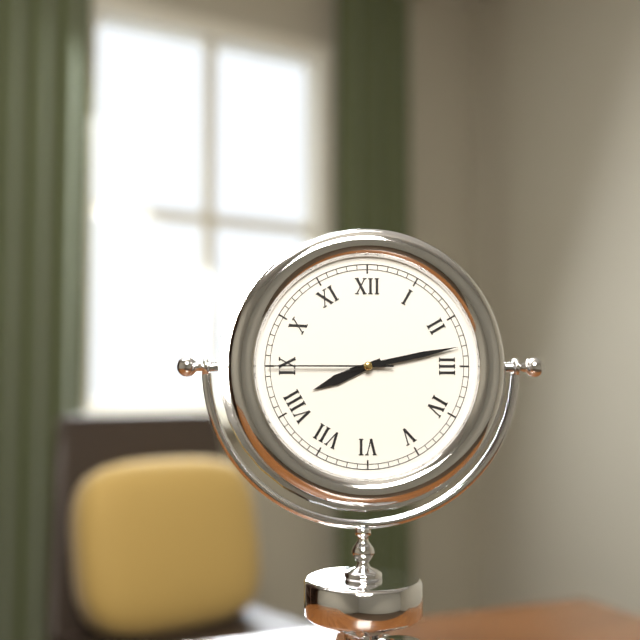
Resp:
8:13:45
